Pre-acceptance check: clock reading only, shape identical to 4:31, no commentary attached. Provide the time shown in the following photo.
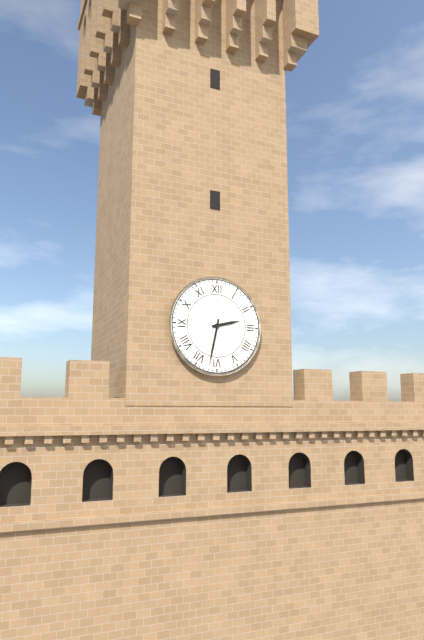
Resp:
2:32
